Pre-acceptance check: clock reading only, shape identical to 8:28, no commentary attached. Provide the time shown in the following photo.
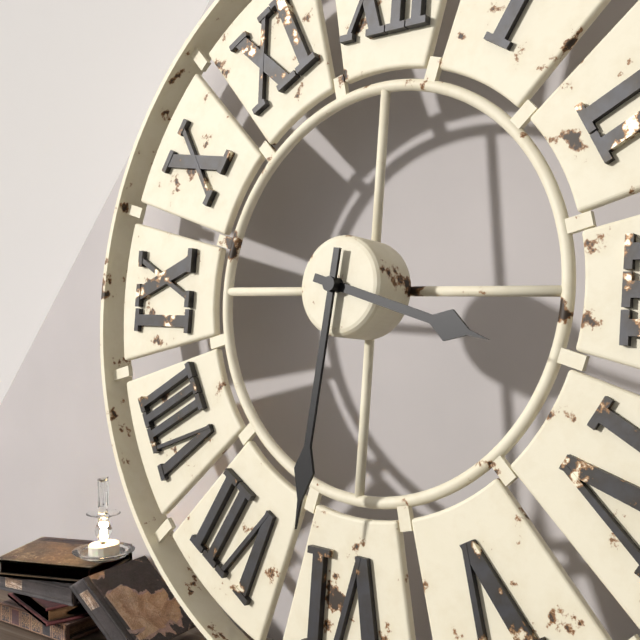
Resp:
3:31
